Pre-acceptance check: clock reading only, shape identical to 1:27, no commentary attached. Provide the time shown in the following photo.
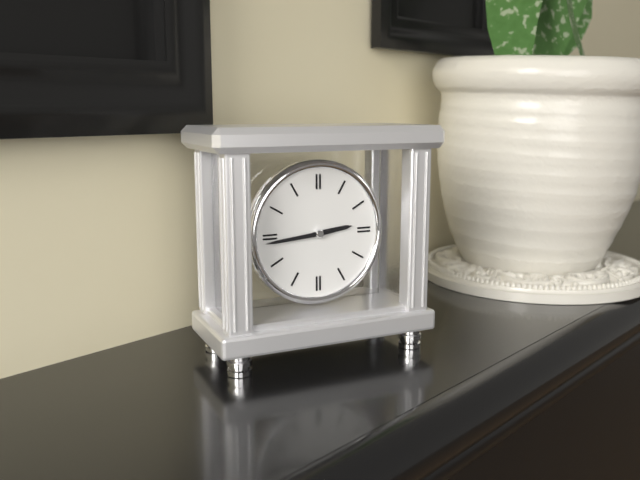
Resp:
2:44
